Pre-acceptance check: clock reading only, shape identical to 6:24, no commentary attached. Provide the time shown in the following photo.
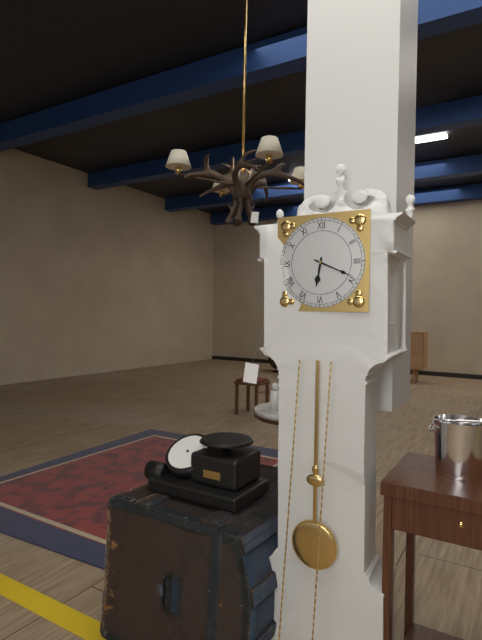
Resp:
6:19
